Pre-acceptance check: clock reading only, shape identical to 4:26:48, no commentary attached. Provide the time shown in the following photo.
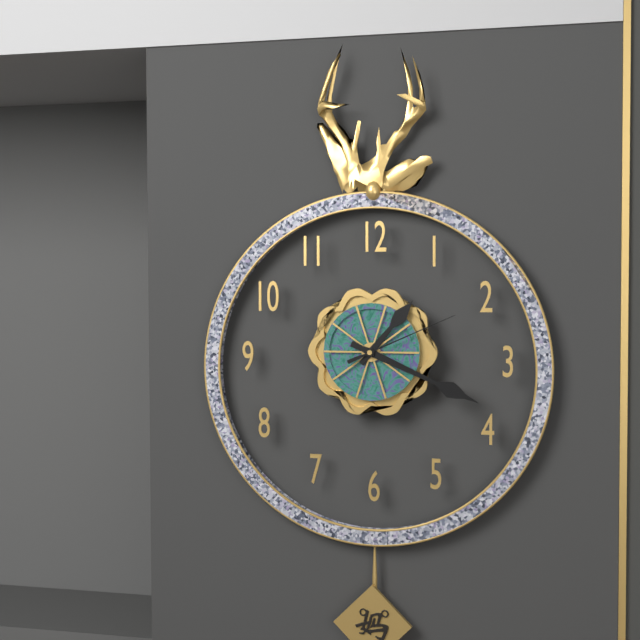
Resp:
1:19:11
